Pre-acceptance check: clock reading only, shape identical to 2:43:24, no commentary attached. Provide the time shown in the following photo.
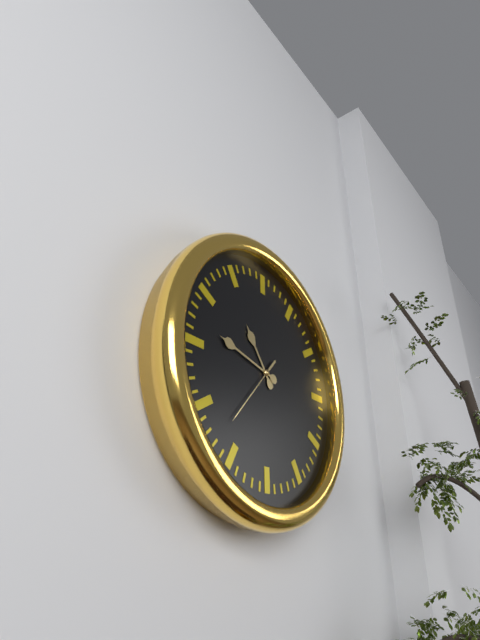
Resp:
10:47:37
